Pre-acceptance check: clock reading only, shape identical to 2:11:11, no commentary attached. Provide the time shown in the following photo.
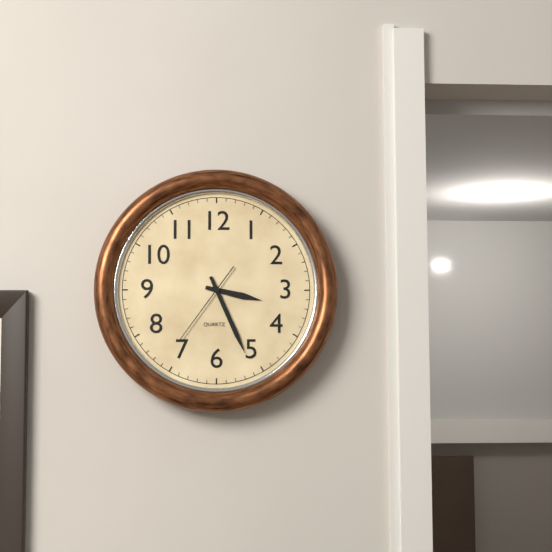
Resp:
3:26:36
